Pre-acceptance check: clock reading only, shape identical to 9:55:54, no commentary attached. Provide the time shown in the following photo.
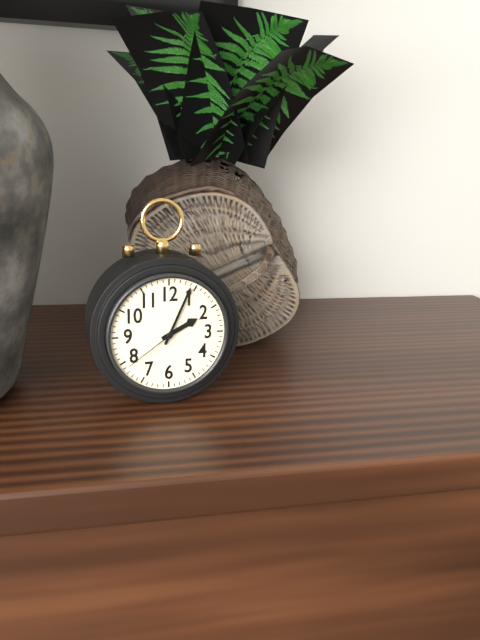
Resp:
2:04:39
